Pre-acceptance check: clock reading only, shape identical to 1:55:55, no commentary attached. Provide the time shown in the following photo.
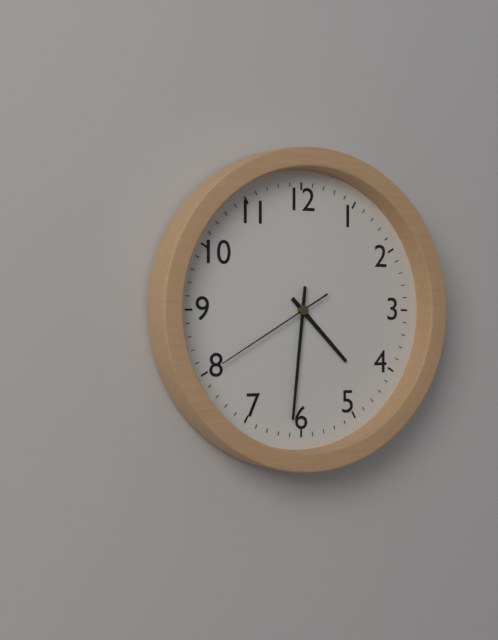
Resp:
4:31:40
